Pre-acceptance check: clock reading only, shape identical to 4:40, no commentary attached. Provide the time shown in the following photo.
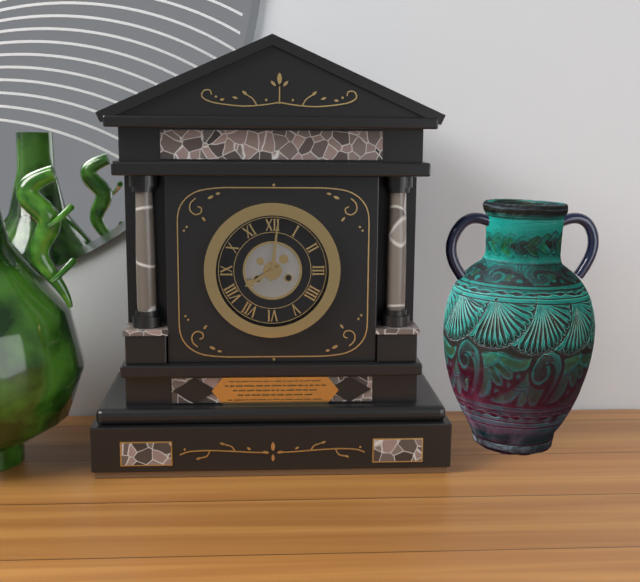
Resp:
8:01
